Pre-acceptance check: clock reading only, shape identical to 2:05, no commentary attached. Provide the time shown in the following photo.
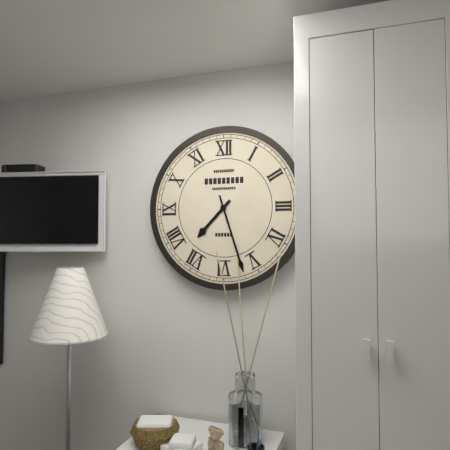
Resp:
7:27
